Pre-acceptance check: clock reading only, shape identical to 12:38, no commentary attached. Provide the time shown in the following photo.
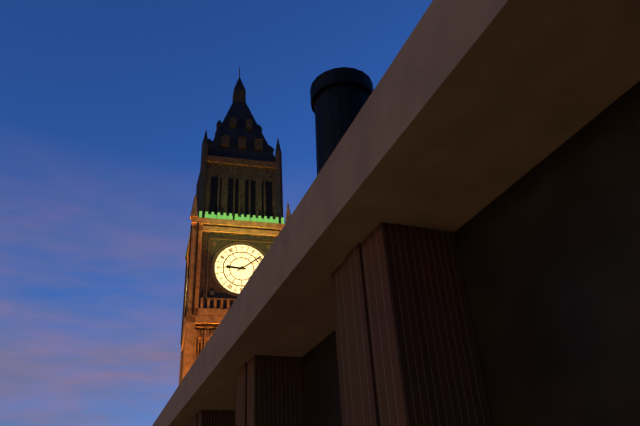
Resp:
9:09
